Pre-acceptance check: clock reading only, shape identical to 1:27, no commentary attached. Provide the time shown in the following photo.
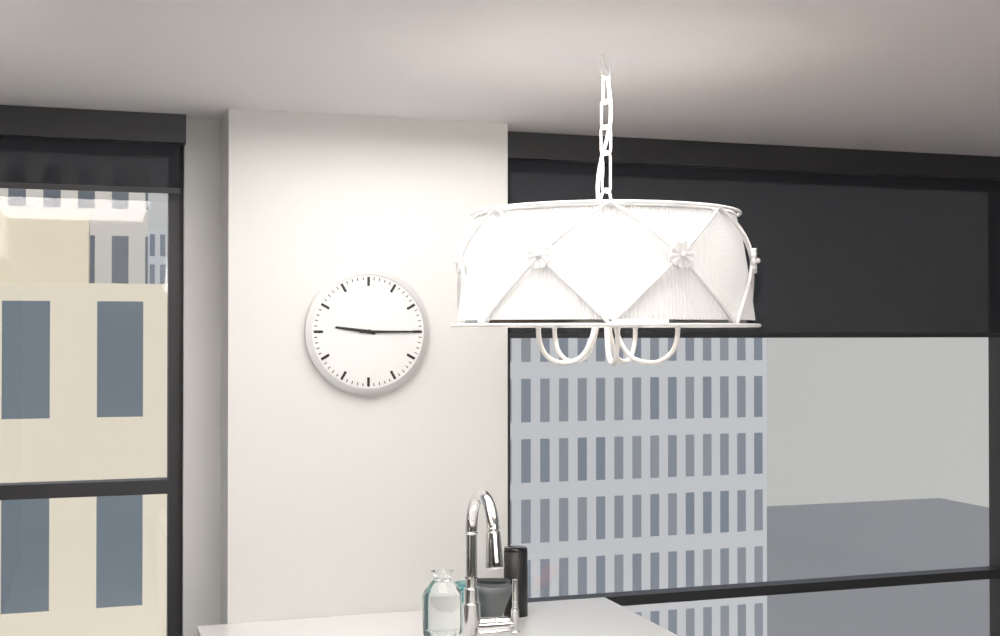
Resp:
9:15
